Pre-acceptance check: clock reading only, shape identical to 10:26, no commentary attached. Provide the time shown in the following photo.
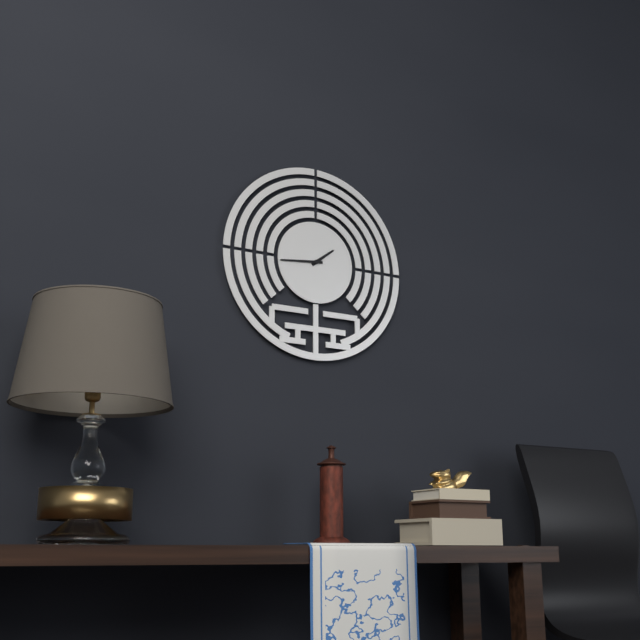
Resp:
1:44
